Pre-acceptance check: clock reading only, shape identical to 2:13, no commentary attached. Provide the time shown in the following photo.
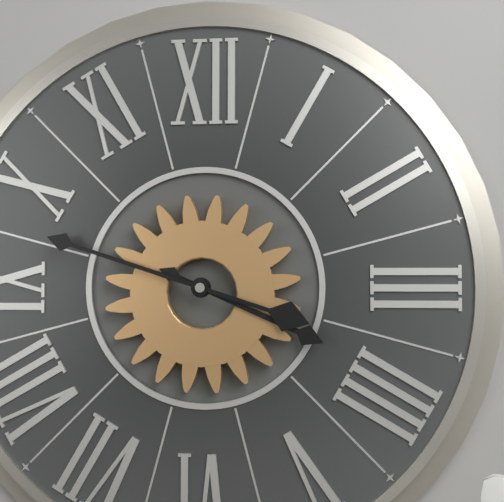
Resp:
3:48
